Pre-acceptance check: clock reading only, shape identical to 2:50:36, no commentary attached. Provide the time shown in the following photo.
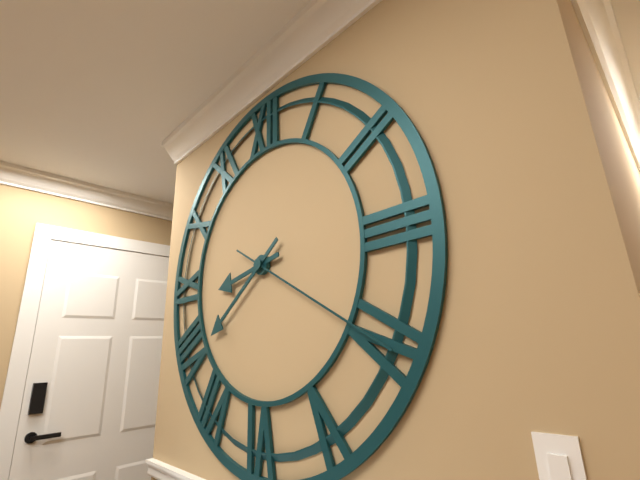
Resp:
8:39:20
